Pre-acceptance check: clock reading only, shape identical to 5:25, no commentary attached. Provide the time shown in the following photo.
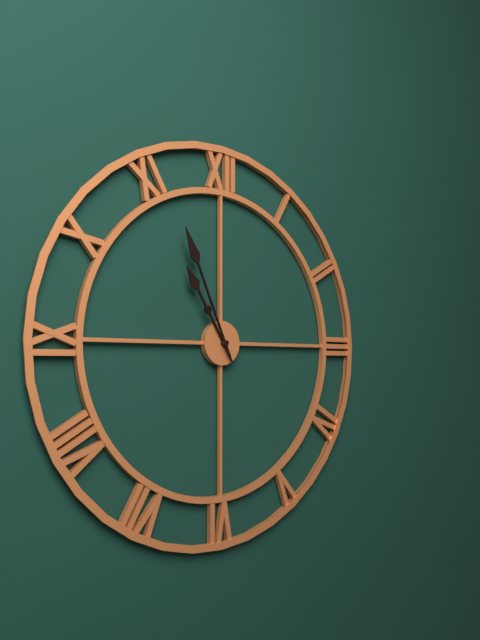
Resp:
10:56
